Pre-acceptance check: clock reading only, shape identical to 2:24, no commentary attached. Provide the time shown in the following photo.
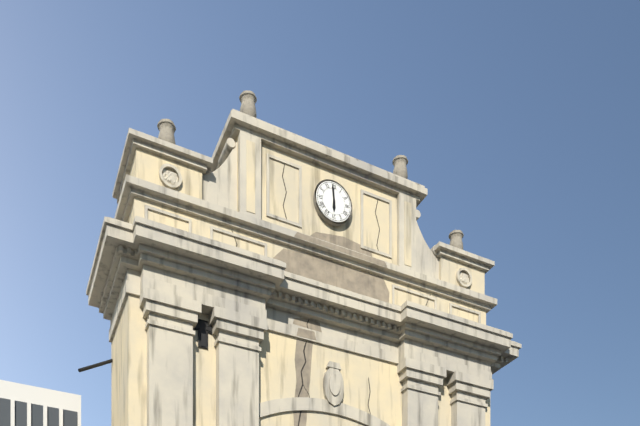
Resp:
5:59
